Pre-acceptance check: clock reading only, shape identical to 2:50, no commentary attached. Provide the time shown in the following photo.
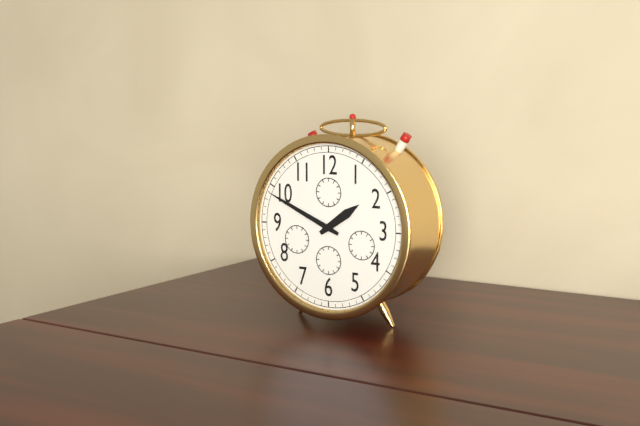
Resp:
1:49
